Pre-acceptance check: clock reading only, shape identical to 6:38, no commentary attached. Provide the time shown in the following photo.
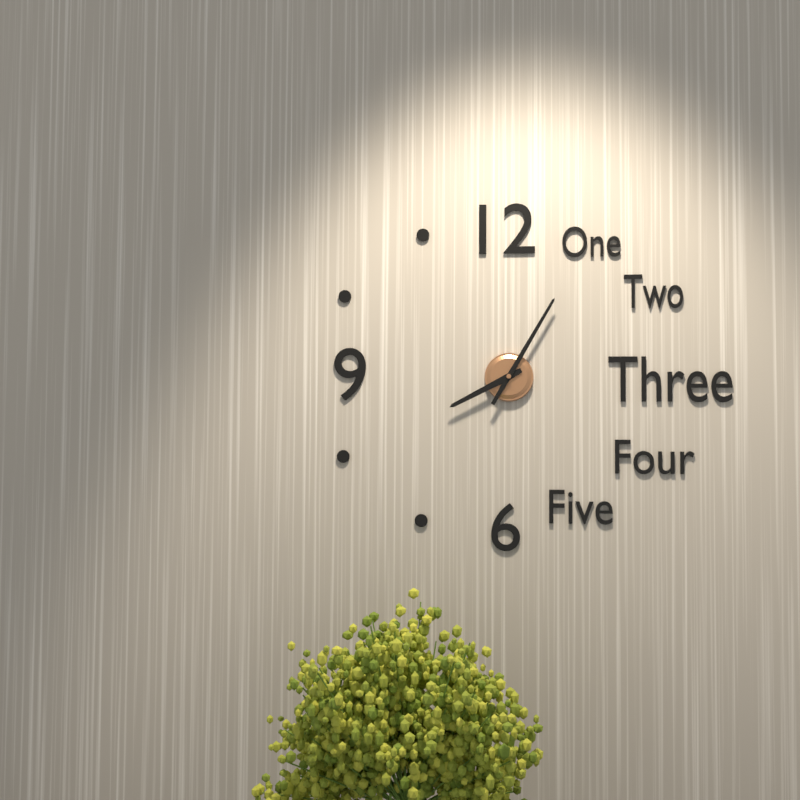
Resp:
8:05
